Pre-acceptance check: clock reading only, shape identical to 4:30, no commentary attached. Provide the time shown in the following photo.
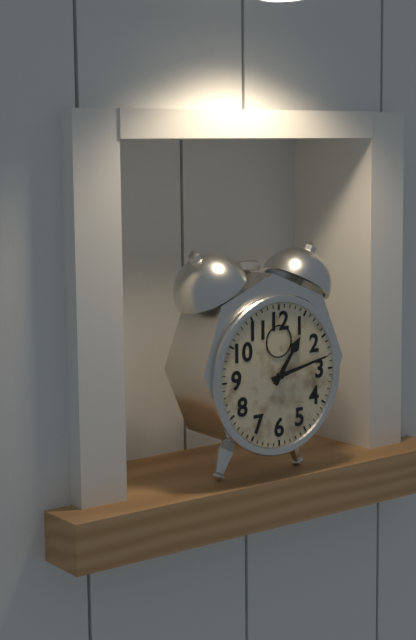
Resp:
1:13
